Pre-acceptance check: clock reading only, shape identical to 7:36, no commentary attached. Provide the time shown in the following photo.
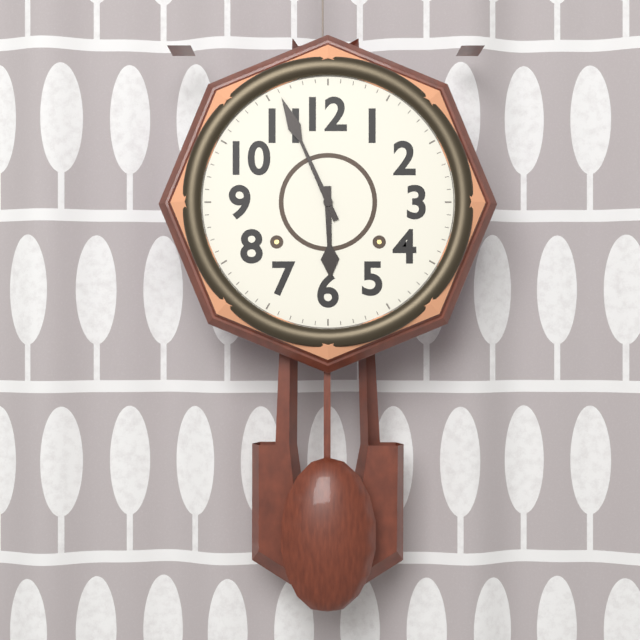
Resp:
5:56
